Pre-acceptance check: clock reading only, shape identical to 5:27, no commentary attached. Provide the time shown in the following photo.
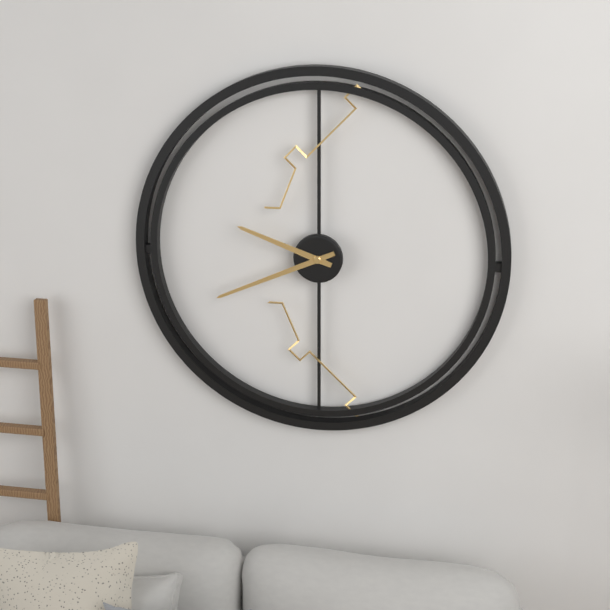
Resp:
9:41
